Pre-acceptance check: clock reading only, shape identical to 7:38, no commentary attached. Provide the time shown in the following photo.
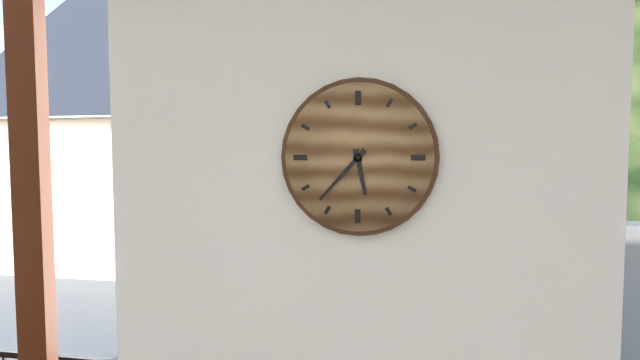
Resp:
5:37
